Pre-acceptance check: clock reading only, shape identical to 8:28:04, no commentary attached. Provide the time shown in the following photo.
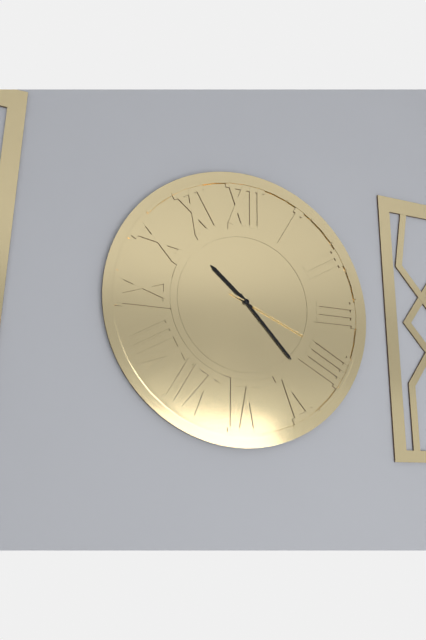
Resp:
10:23:19
